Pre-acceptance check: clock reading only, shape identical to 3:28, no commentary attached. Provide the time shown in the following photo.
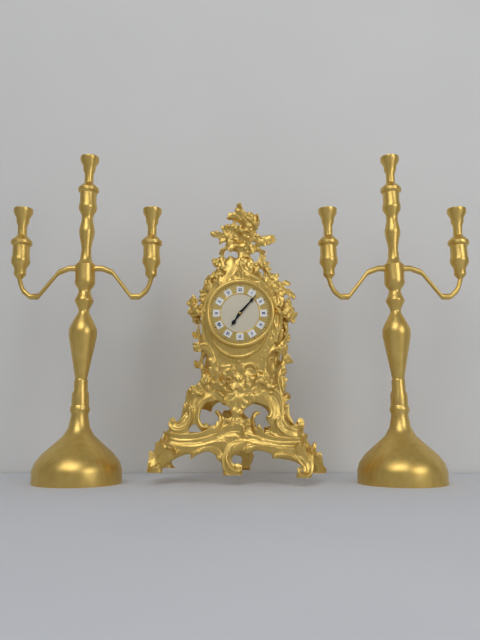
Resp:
7:07
